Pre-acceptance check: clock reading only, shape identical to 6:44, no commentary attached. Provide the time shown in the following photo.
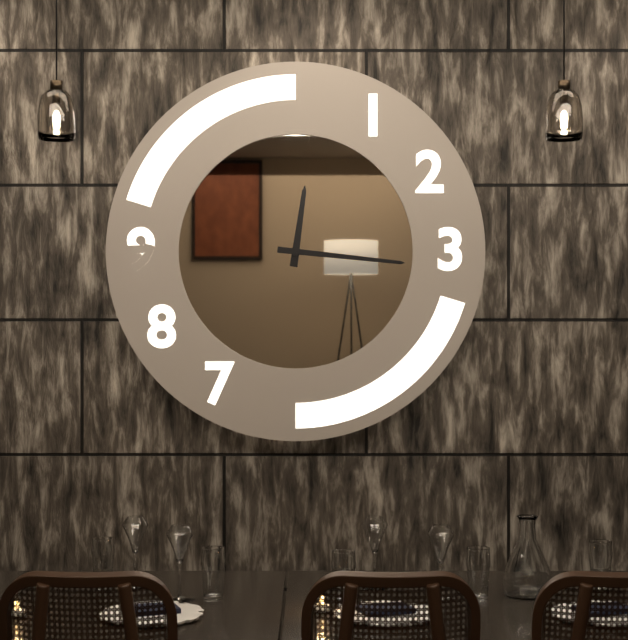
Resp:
12:16
